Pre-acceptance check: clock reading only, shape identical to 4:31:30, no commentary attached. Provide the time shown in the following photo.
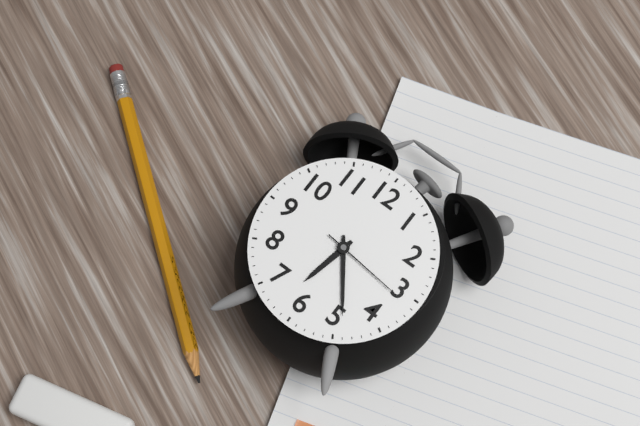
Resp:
6:24:16
